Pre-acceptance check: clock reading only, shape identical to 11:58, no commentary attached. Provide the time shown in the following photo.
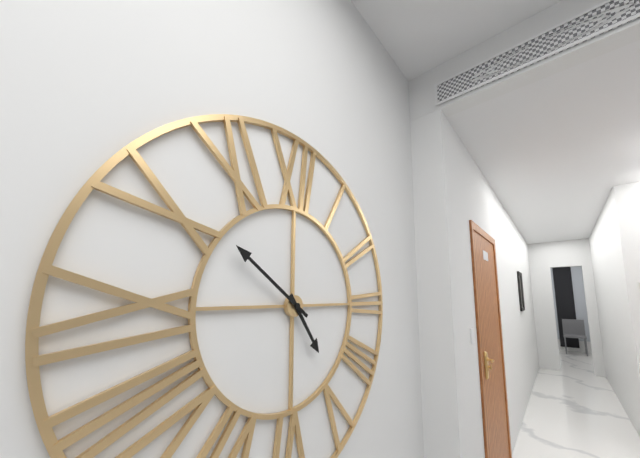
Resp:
4:51
